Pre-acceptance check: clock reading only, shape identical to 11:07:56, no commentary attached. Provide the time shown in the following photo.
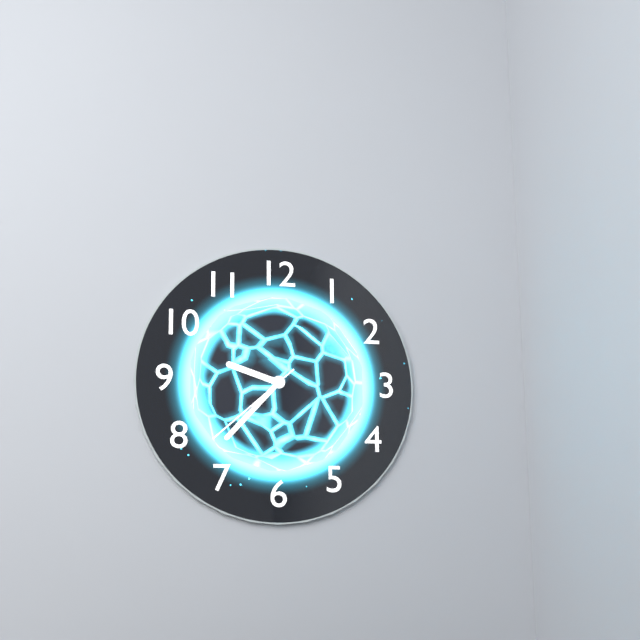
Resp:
9:37:38
